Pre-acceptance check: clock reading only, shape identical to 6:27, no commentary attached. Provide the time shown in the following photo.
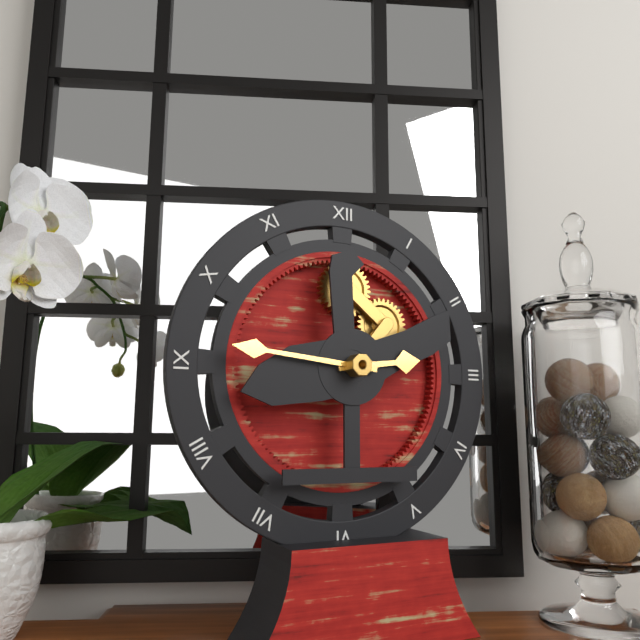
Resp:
2:46
